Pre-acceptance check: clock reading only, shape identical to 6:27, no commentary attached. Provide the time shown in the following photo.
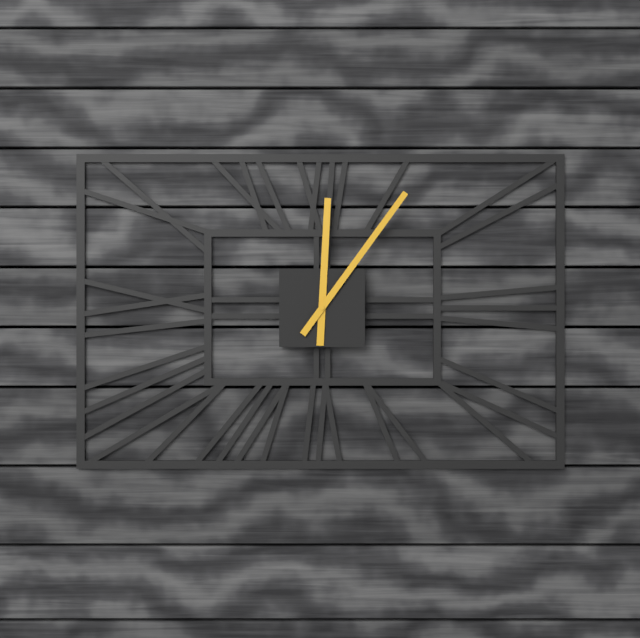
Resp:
12:06
